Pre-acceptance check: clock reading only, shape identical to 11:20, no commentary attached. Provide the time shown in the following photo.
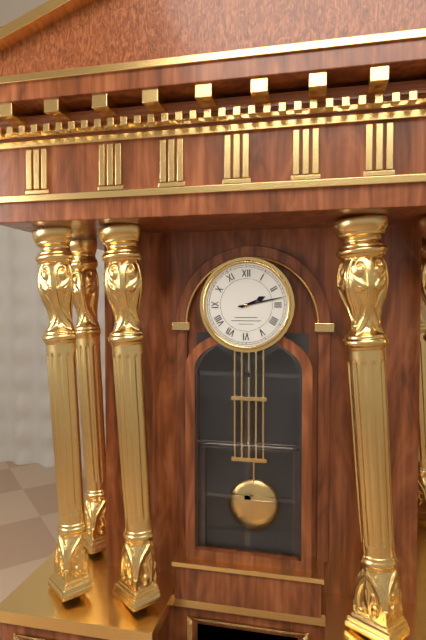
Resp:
2:13
